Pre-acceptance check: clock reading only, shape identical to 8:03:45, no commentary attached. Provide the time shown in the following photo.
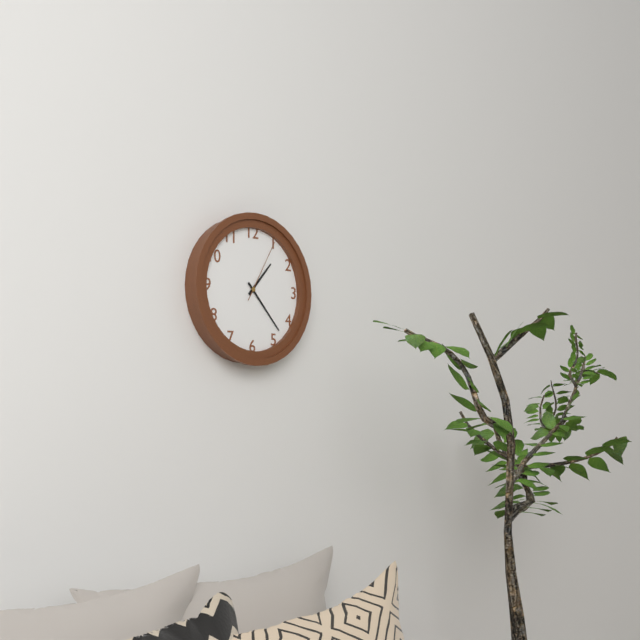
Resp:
1:23:05
